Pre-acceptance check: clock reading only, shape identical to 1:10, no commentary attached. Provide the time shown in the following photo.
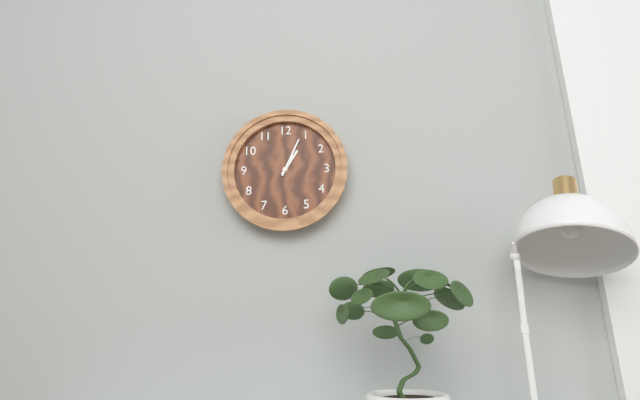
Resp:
1:04
